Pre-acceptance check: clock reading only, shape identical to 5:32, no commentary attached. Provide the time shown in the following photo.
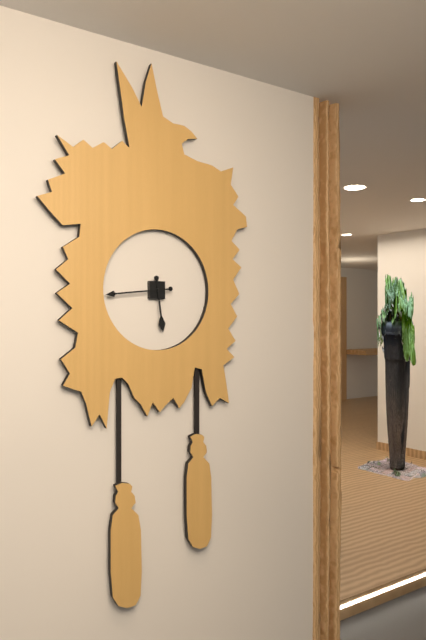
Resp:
5:44
